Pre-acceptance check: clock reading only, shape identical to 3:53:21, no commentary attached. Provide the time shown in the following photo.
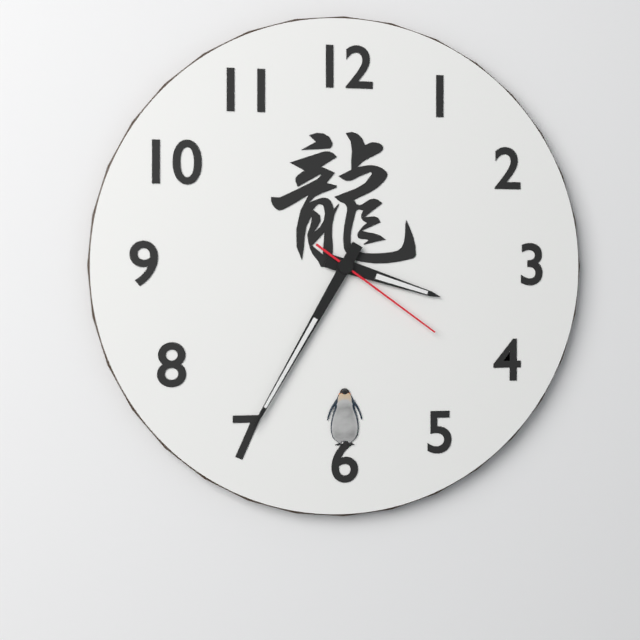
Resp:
3:35:21
